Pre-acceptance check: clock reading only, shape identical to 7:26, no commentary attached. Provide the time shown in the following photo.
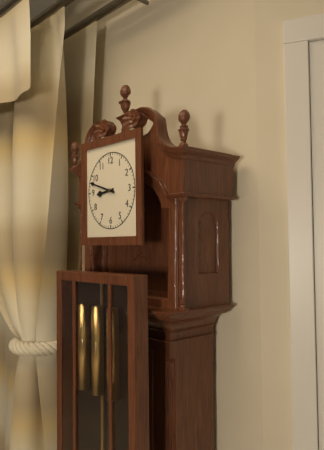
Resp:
8:48
